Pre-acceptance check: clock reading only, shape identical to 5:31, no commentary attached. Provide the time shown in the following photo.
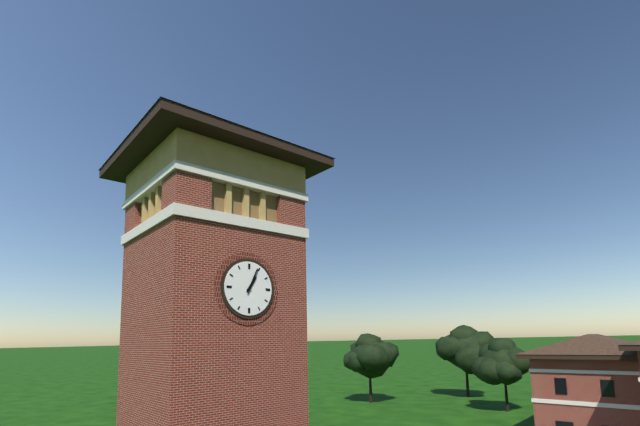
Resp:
1:04
